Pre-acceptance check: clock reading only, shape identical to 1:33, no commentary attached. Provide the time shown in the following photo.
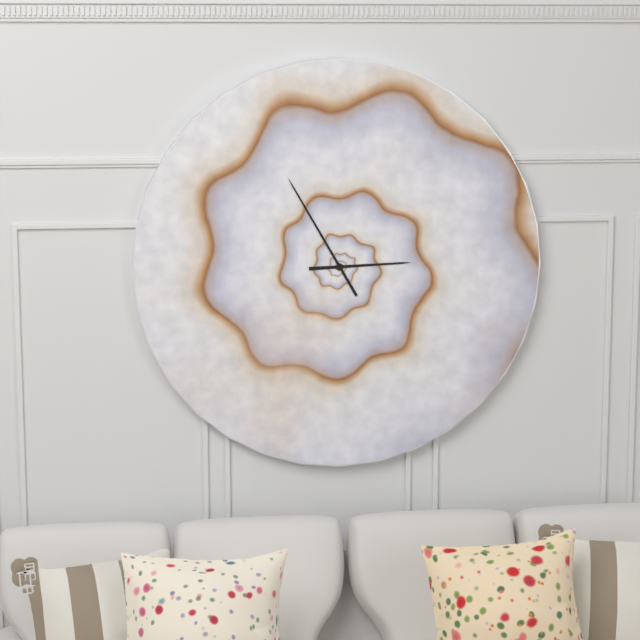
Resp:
2:55
